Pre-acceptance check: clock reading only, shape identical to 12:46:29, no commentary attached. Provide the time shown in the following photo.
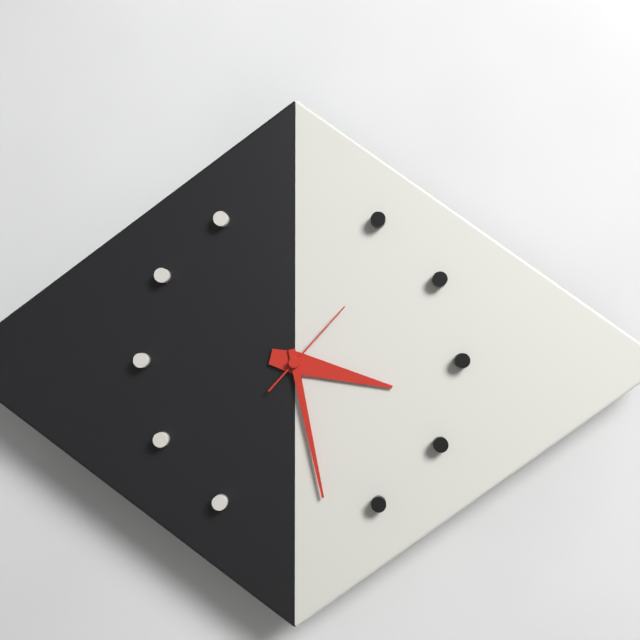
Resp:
3:28:07
